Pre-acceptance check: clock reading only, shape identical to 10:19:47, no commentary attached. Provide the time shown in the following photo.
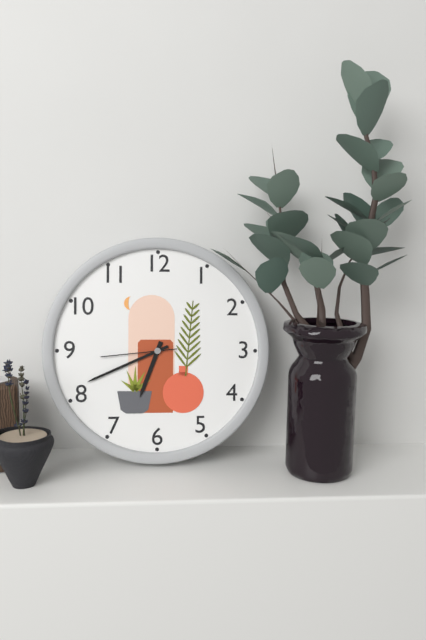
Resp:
6:41:44
